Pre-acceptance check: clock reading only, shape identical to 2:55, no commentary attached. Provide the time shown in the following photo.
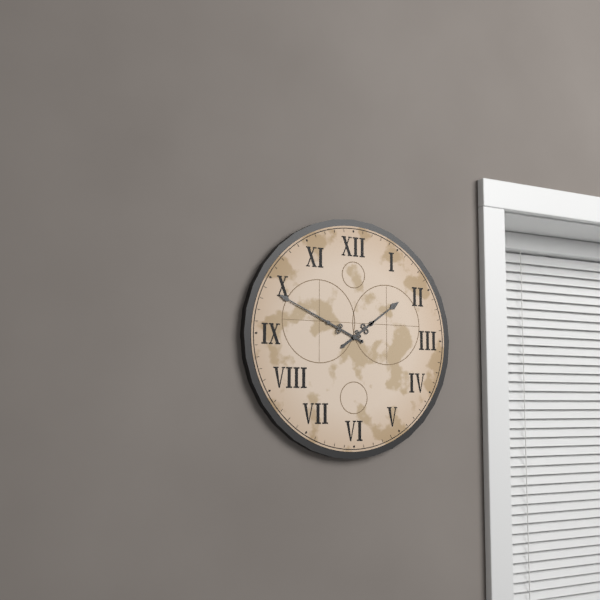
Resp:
1:49
